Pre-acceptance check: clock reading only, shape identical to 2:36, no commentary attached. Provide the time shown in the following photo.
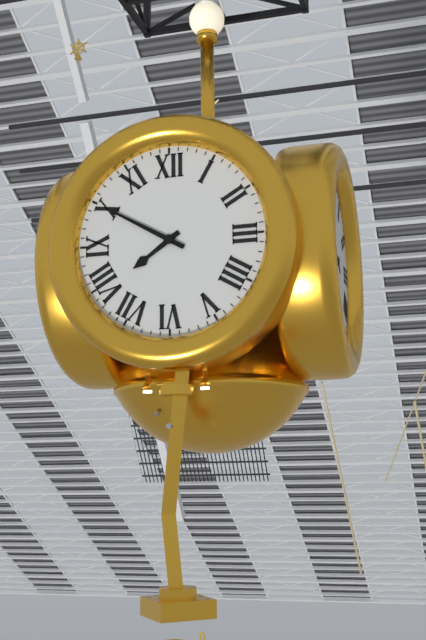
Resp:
7:50
